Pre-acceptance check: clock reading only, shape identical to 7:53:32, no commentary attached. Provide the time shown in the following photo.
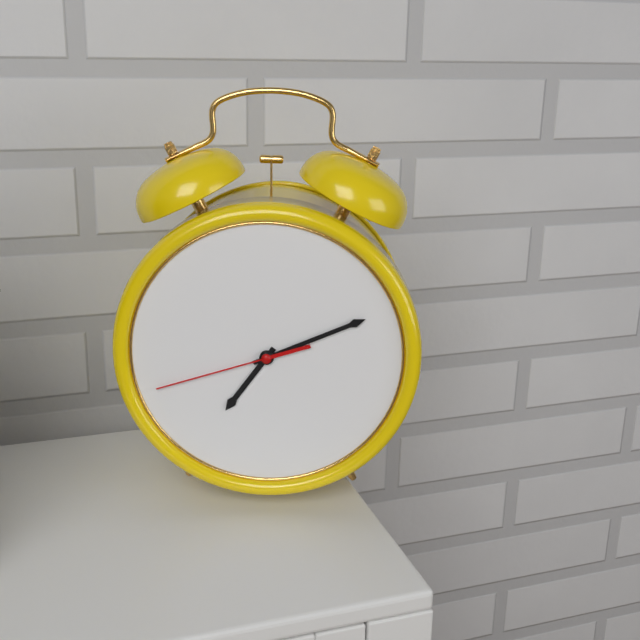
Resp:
7:11:42
